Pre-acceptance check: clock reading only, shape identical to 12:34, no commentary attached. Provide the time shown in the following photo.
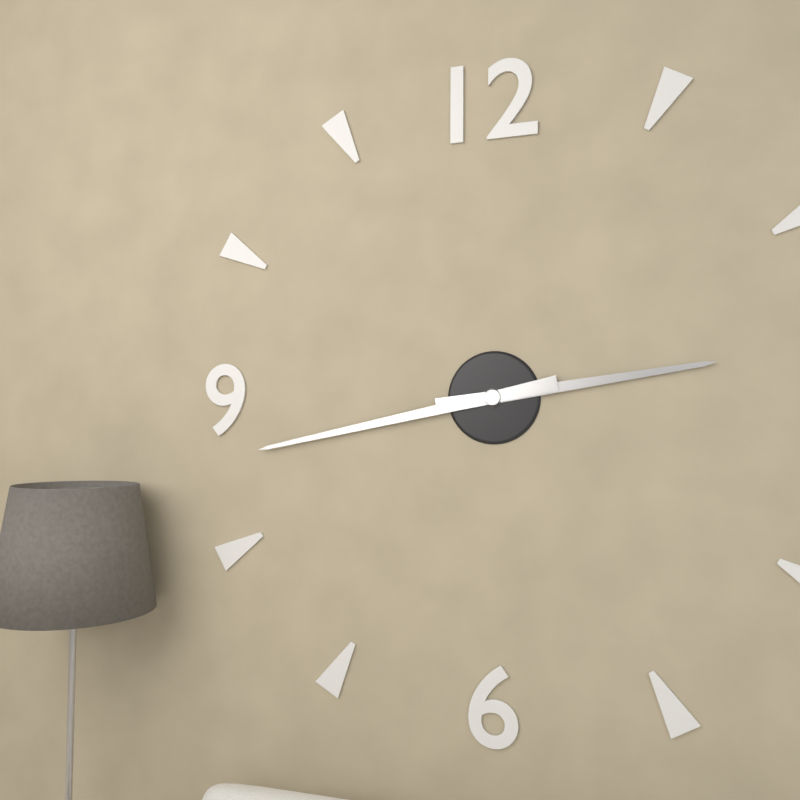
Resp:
2:43
